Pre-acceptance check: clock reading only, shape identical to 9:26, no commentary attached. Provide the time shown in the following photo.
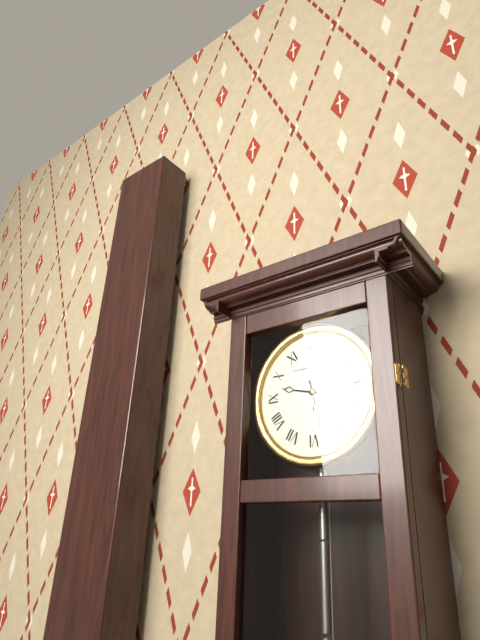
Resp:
9:28
